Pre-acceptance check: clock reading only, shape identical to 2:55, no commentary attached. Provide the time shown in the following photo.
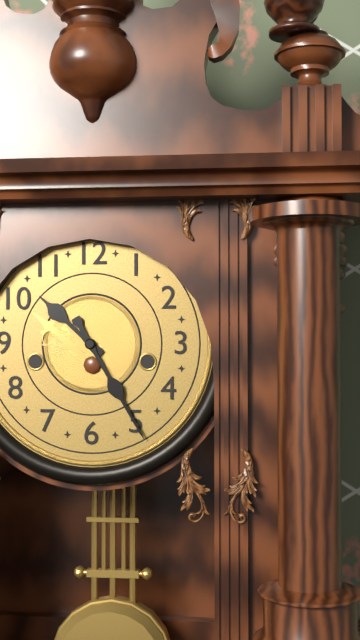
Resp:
10:25
